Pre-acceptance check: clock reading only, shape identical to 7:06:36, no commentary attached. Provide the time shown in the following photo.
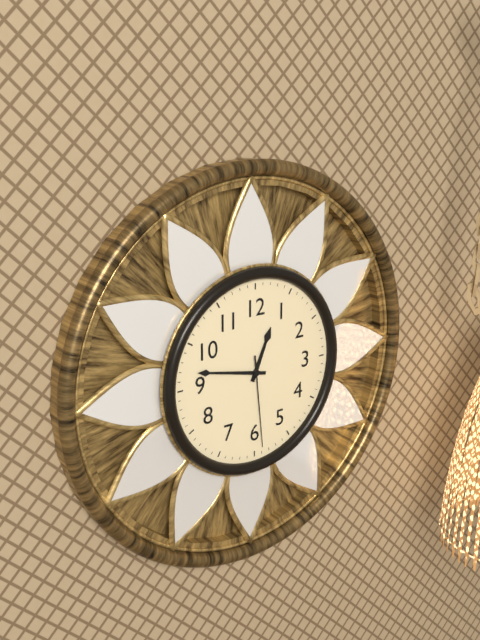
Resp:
12:47:29
